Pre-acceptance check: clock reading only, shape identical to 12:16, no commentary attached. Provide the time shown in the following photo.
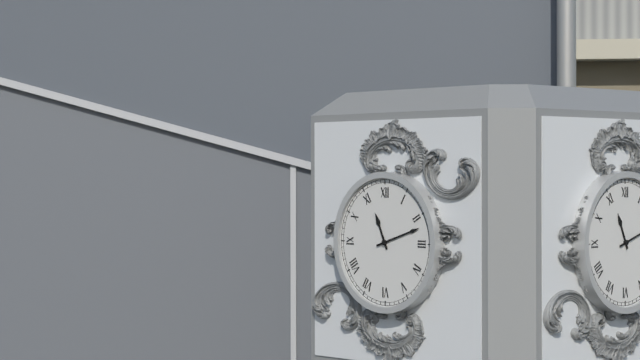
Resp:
11:12
